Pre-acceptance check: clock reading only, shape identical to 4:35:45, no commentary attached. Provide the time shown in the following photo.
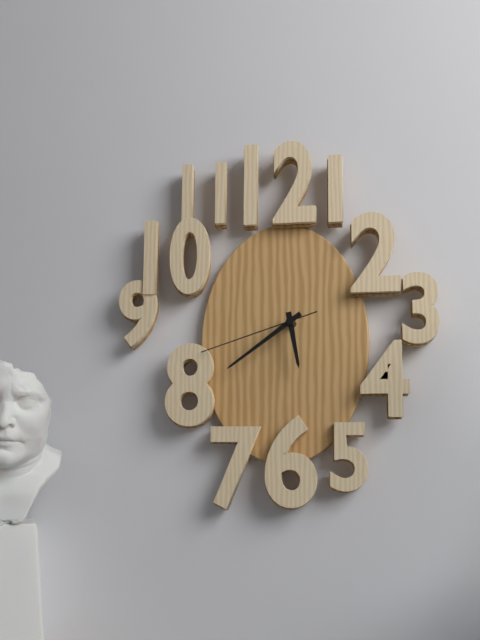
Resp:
5:39:42
